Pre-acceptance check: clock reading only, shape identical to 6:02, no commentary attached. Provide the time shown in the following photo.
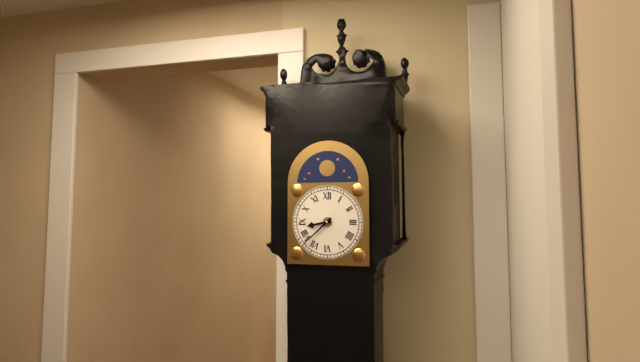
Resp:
8:38
